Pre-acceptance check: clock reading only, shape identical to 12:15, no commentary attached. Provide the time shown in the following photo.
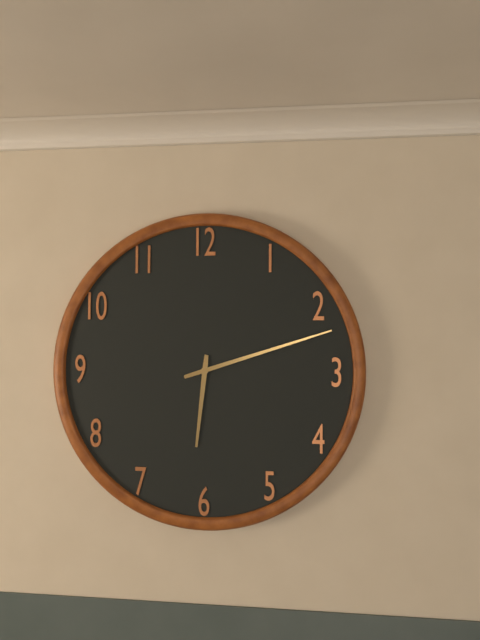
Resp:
6:12
